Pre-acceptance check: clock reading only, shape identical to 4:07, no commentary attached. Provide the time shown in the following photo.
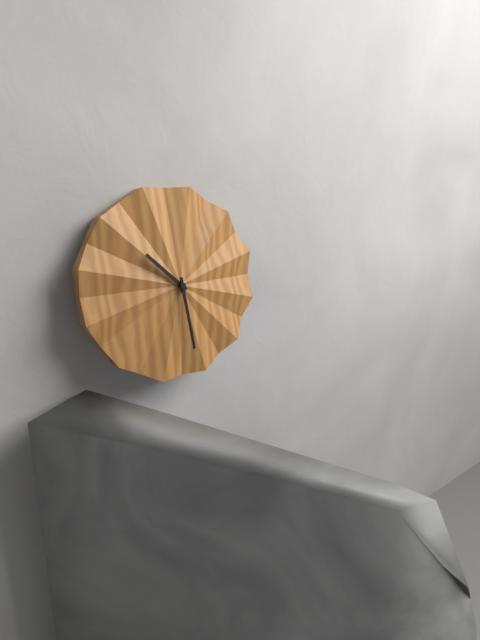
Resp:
10:29
